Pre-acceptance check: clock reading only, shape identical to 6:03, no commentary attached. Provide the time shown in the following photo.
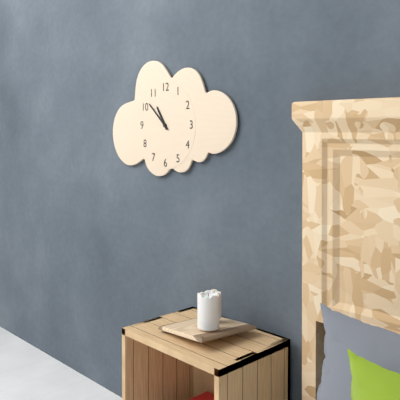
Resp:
10:52
